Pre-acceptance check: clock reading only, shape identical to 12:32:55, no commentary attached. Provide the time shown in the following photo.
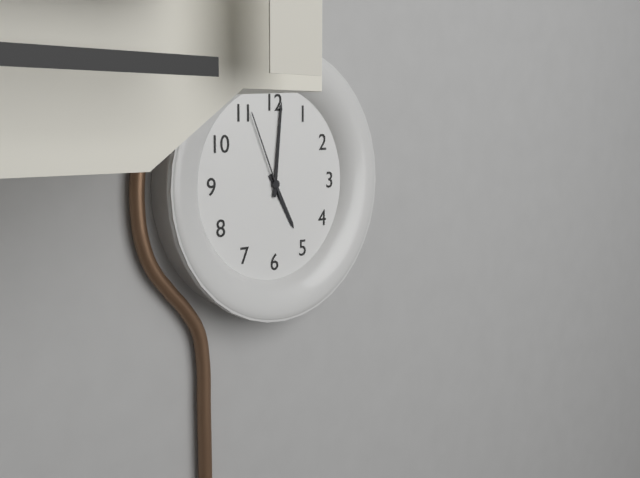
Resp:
5:01:56
